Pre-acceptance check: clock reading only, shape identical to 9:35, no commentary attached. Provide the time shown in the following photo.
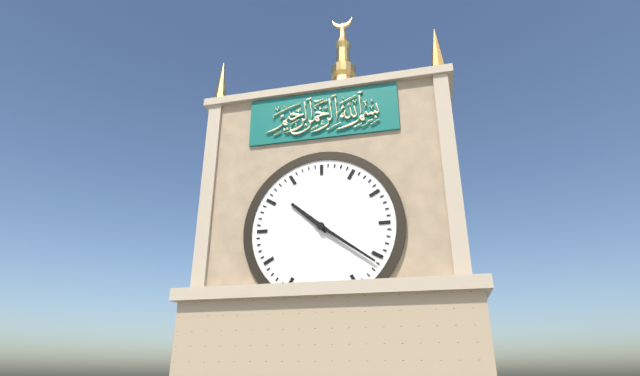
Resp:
10:21
